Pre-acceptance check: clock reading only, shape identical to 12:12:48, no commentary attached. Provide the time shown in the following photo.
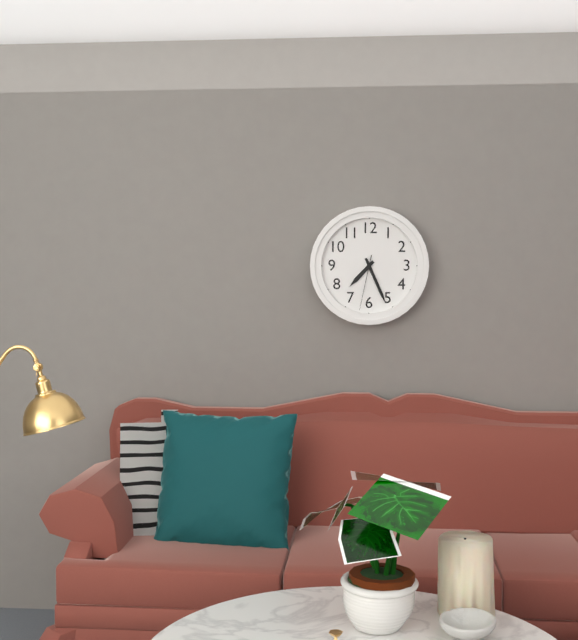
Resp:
7:26:32
